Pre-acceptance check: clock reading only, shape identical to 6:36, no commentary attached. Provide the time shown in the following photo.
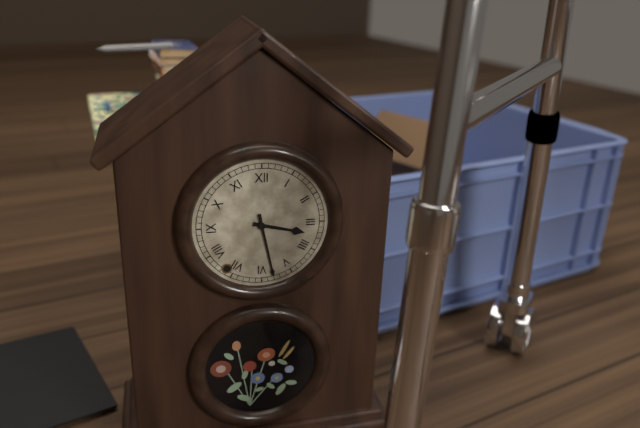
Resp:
3:28
